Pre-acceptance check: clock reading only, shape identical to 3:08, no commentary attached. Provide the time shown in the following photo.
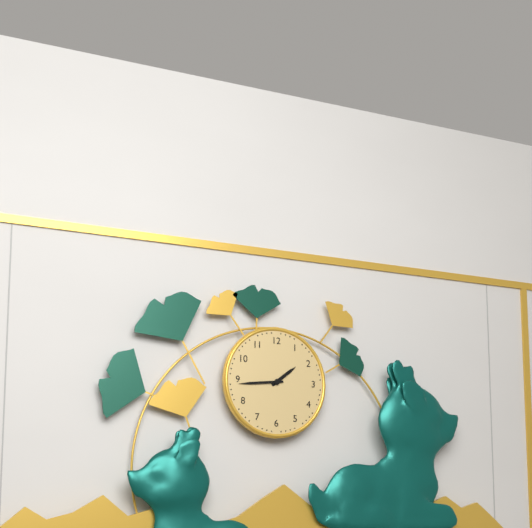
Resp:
1:44
